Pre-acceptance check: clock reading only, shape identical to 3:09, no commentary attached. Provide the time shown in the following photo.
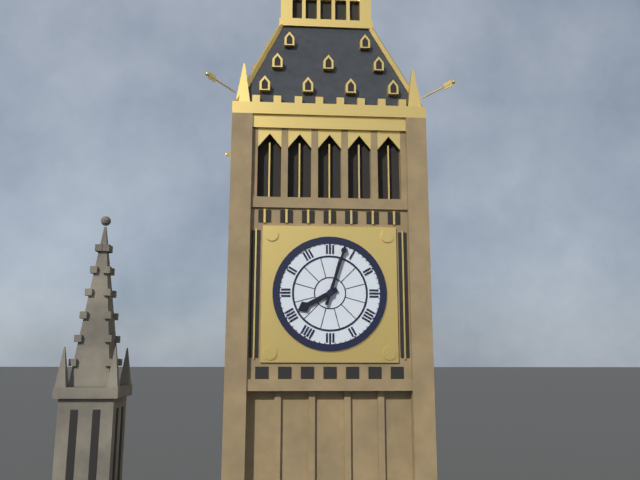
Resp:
8:03
